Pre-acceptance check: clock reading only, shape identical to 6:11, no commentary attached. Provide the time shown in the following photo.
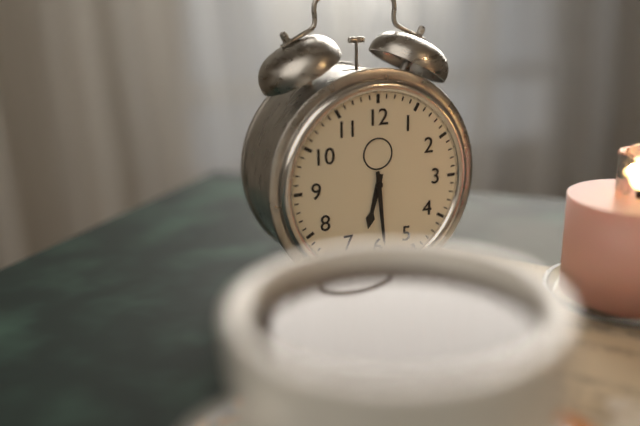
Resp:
6:29
